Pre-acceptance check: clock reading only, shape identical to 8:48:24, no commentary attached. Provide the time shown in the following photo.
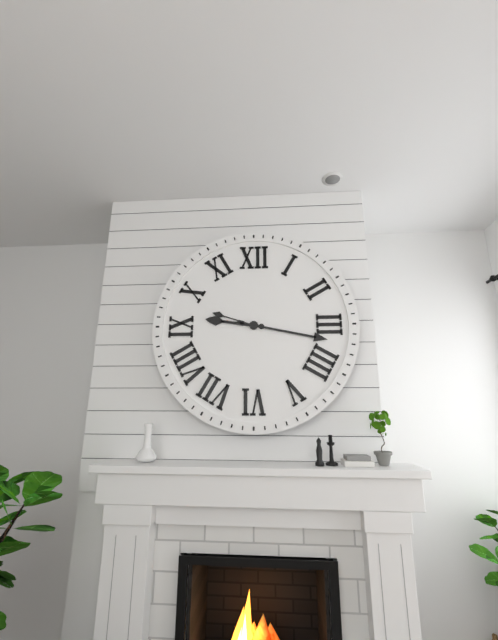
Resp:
9:17:48
